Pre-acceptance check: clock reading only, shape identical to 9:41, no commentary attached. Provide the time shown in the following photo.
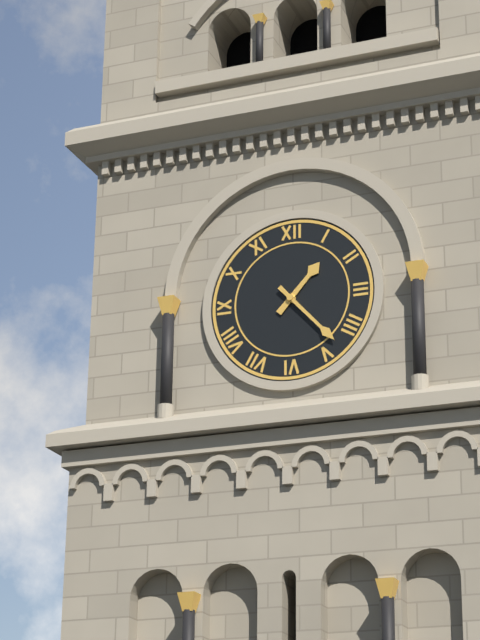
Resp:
1:23
